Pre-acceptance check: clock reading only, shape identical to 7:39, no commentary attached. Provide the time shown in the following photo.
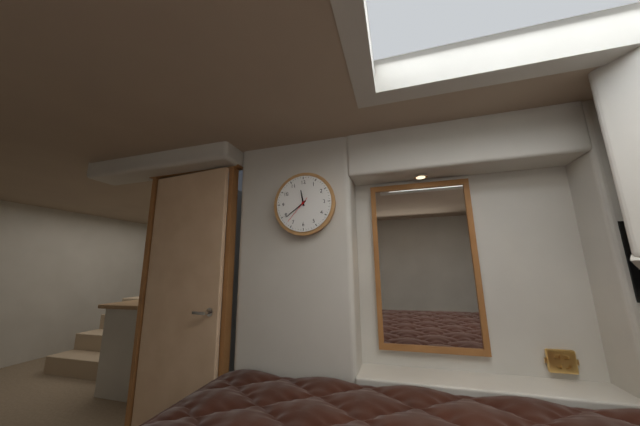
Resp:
11:39
